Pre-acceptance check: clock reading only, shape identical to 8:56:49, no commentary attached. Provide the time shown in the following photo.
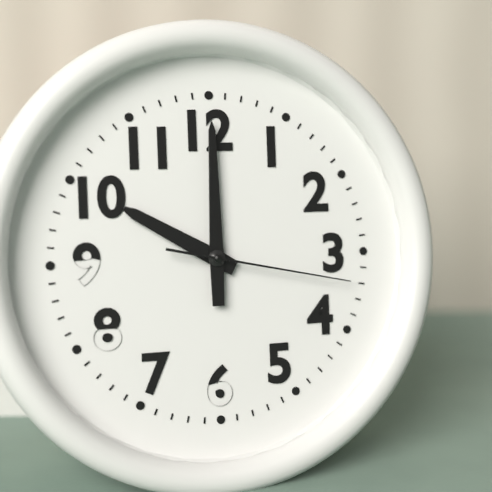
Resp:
10:00:17
